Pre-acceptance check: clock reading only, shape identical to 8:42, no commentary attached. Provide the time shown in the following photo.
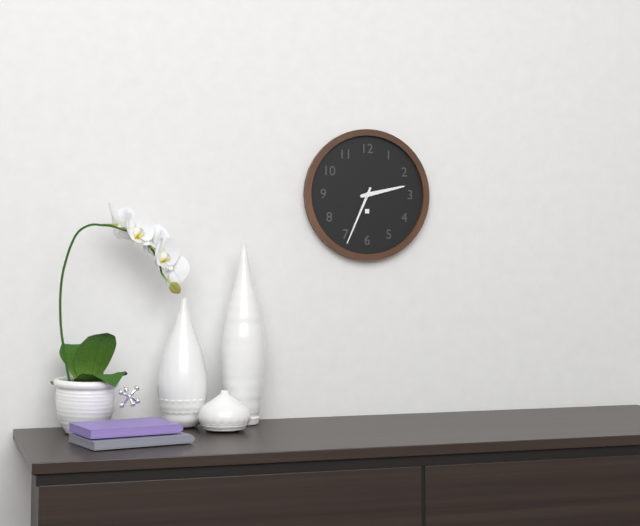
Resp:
2:34
